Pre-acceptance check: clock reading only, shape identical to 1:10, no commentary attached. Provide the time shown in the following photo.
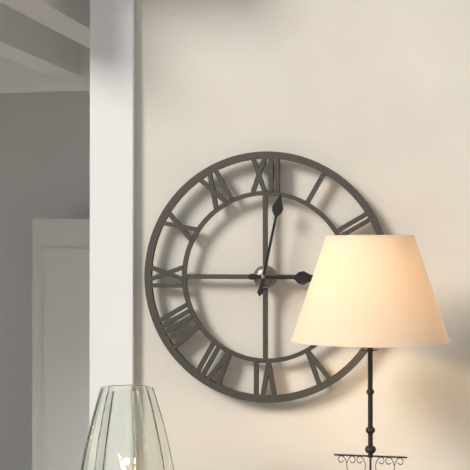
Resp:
3:02
